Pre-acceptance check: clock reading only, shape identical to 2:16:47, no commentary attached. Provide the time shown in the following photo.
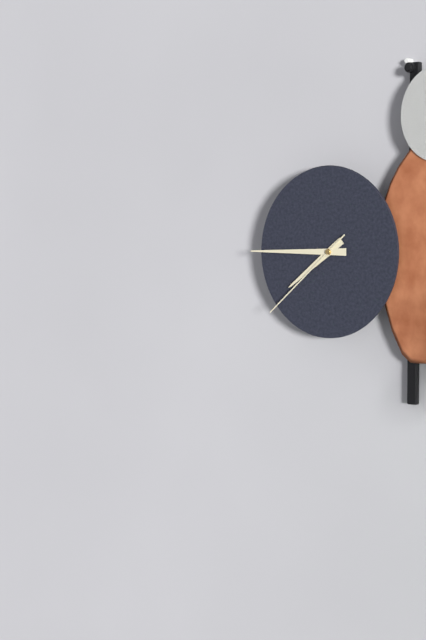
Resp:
7:45:38
